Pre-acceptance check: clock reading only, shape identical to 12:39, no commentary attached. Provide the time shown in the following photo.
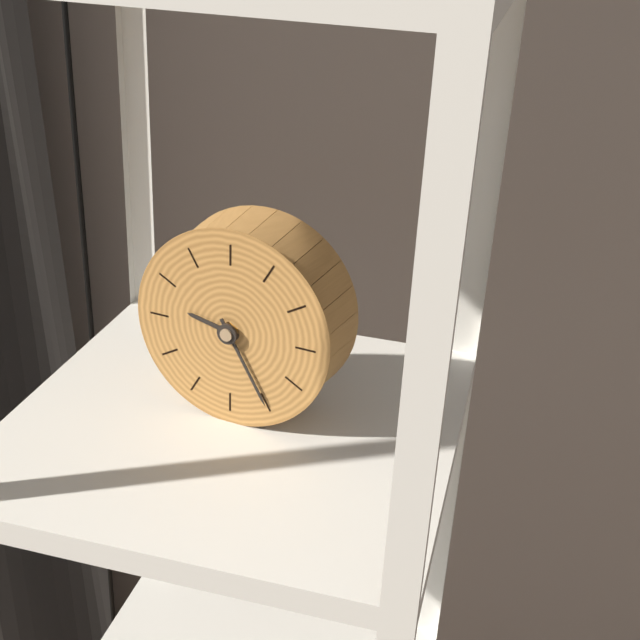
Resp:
9:25
